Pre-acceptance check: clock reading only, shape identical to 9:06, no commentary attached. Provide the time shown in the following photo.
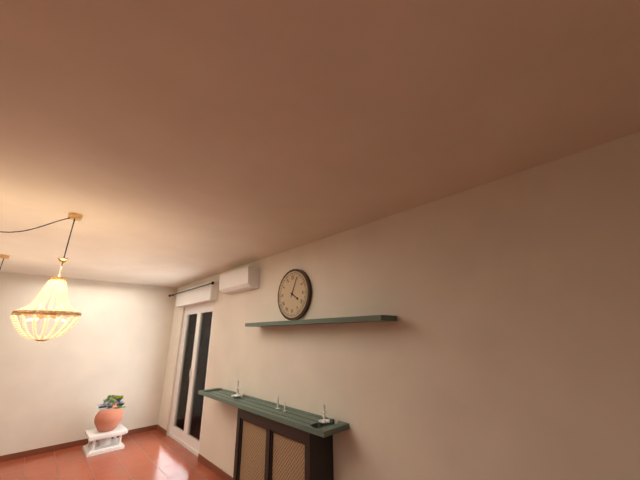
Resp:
4:04
